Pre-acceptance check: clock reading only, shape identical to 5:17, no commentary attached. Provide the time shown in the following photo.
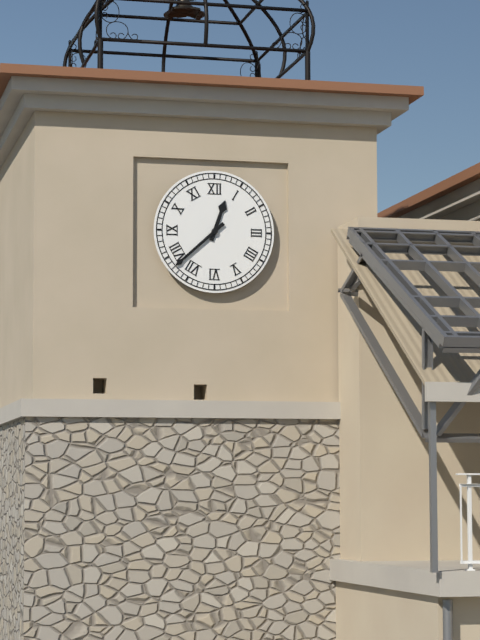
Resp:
12:38
